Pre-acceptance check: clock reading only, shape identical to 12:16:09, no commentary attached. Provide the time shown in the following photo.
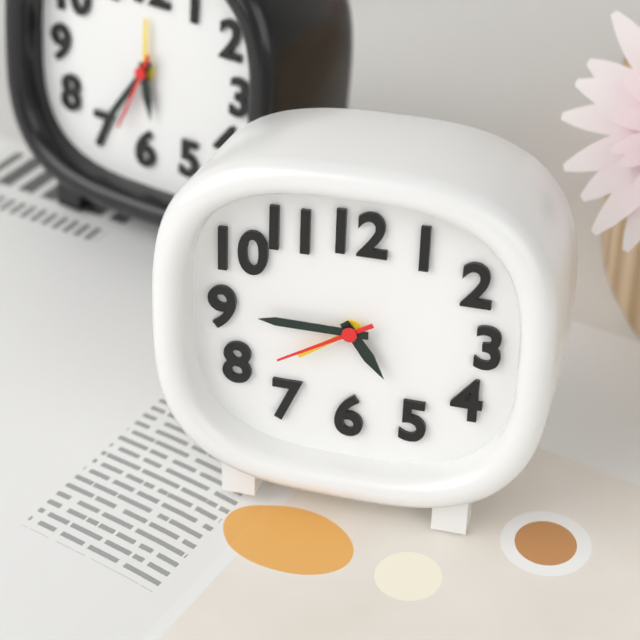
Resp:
4:45:40
